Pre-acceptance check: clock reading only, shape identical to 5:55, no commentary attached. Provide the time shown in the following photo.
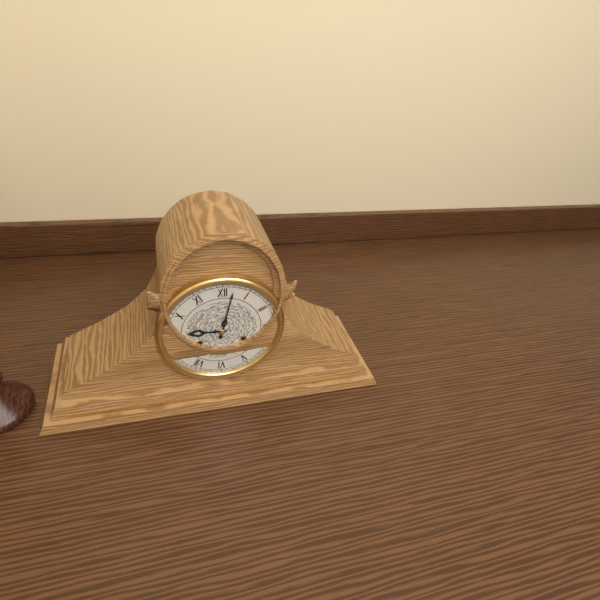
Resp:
9:02
